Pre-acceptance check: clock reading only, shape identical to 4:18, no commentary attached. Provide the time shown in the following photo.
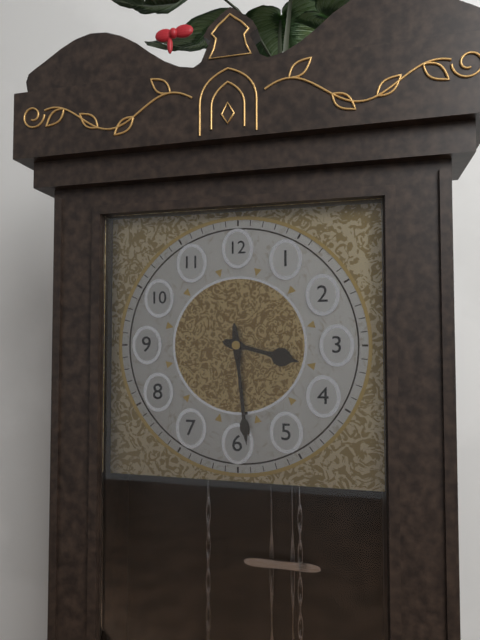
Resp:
3:29
